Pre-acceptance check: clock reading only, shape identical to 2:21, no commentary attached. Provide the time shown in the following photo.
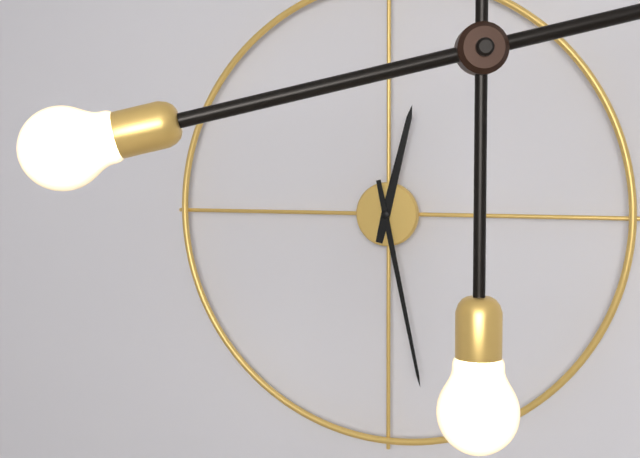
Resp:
12:28
